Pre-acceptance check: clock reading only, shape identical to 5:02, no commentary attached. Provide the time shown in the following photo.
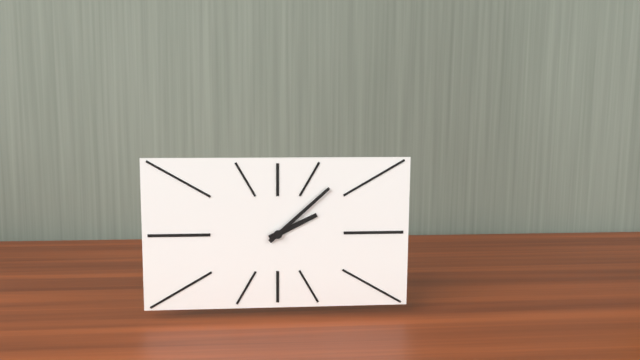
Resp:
2:08
